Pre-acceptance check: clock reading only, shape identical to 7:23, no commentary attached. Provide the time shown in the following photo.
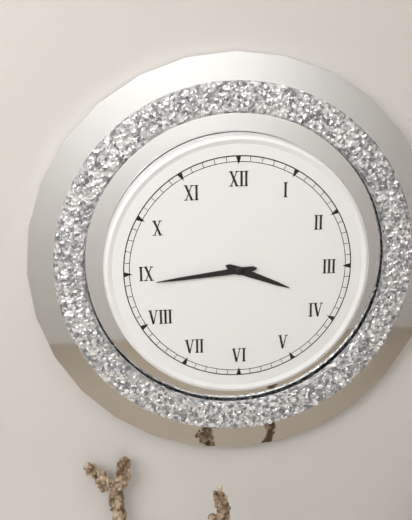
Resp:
3:44
